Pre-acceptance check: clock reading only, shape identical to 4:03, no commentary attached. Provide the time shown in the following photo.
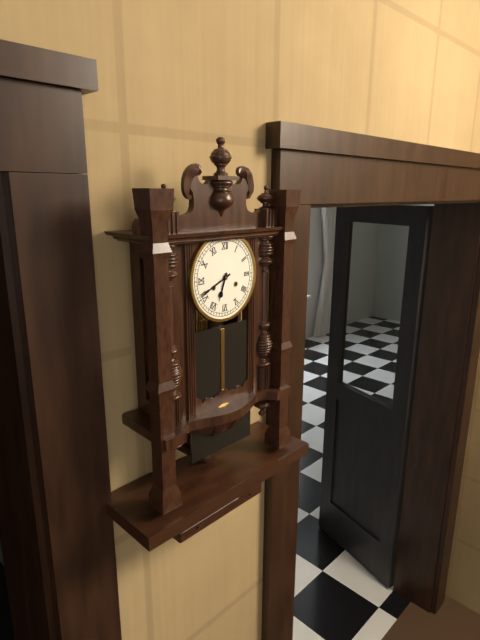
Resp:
6:41
